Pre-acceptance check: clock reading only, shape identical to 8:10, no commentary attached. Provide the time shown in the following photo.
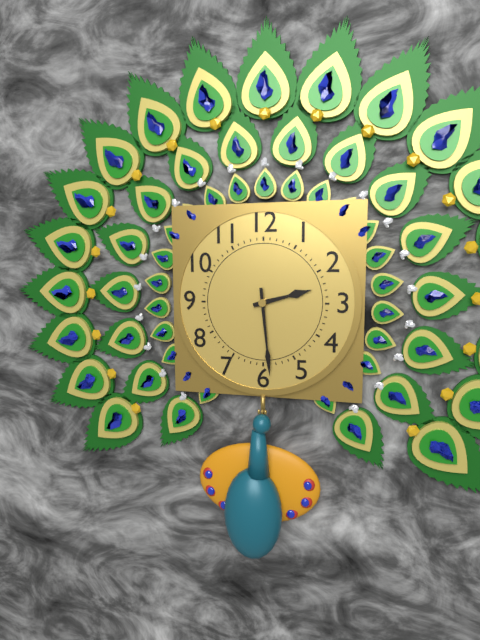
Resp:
2:29
